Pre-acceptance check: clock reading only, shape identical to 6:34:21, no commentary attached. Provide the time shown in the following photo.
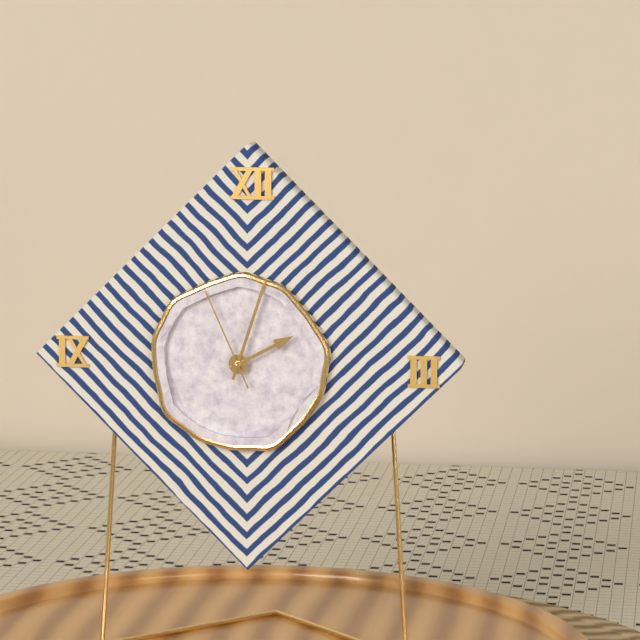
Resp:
2:03:56
